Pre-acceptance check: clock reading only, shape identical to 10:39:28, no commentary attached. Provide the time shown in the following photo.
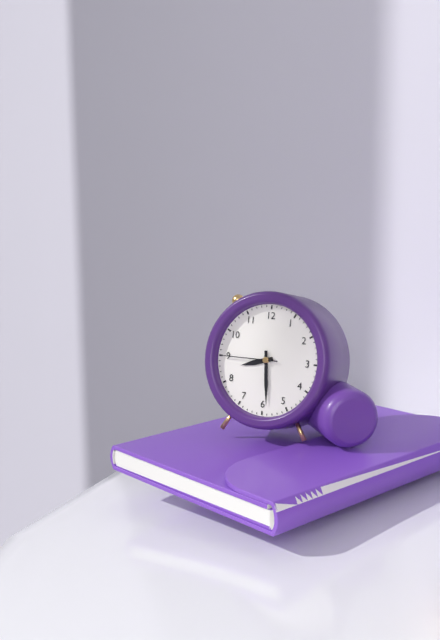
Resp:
8:29:45
